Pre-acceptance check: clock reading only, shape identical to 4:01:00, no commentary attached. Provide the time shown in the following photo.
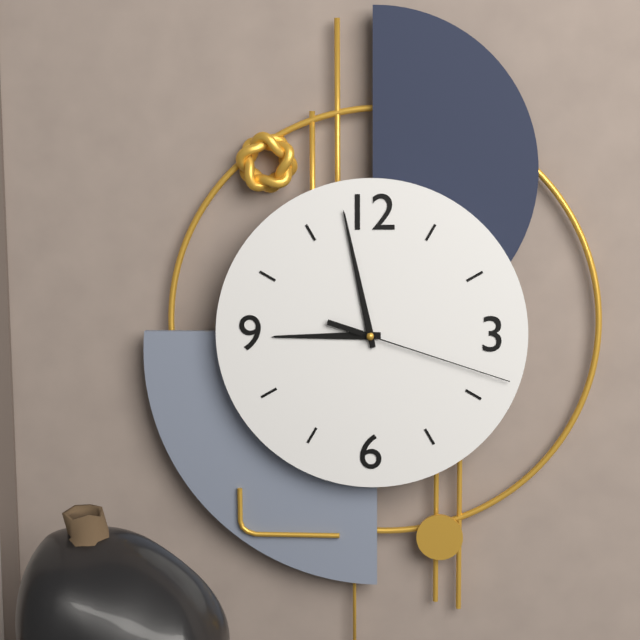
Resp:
8:58:18
